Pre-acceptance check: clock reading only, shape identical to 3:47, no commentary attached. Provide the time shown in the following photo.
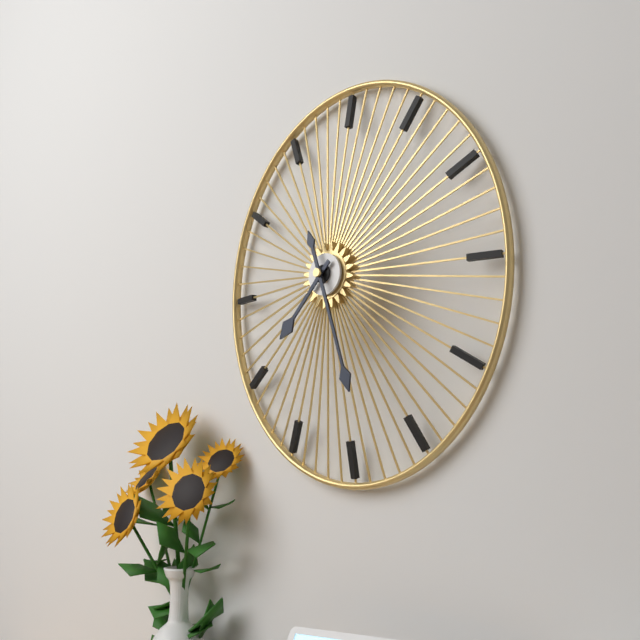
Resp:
7:27
